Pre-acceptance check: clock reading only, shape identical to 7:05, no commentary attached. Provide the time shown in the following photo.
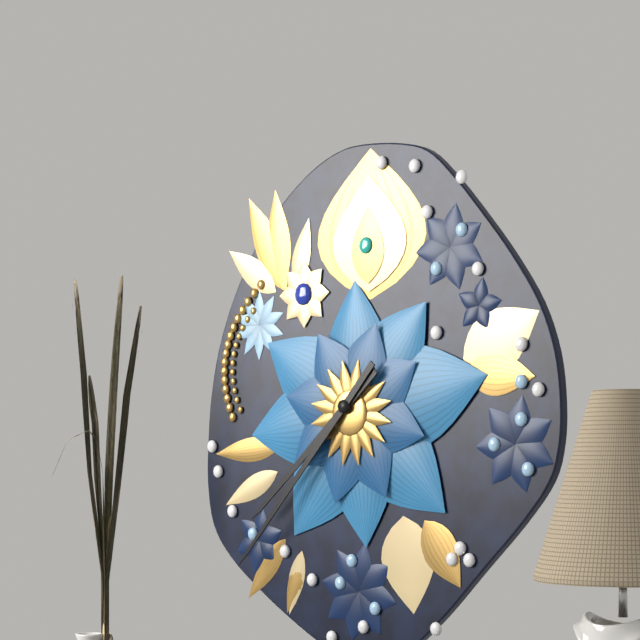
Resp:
7:37
